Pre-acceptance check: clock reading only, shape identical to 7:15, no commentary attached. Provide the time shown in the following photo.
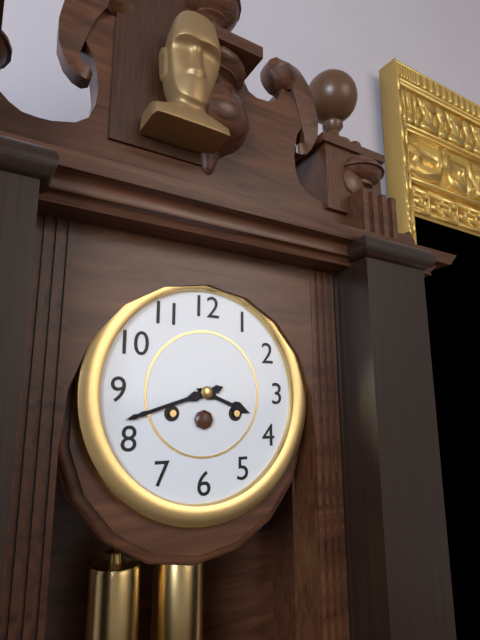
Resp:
3:42
